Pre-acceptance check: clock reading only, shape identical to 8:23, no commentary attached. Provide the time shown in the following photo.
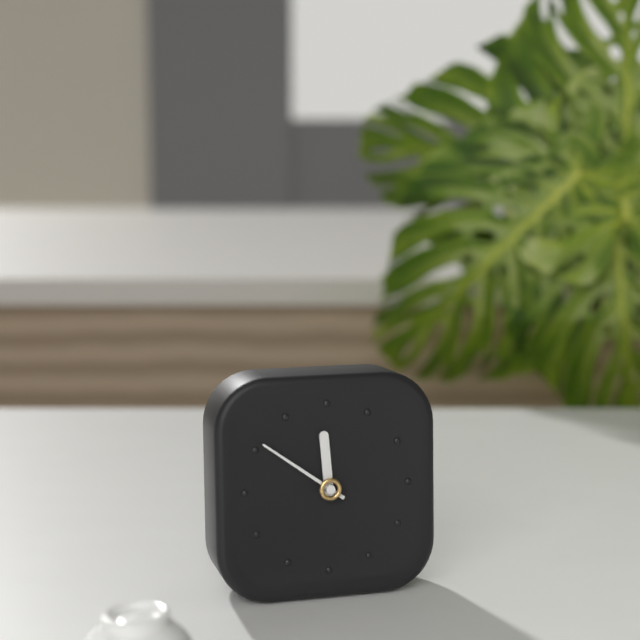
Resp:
11:51
